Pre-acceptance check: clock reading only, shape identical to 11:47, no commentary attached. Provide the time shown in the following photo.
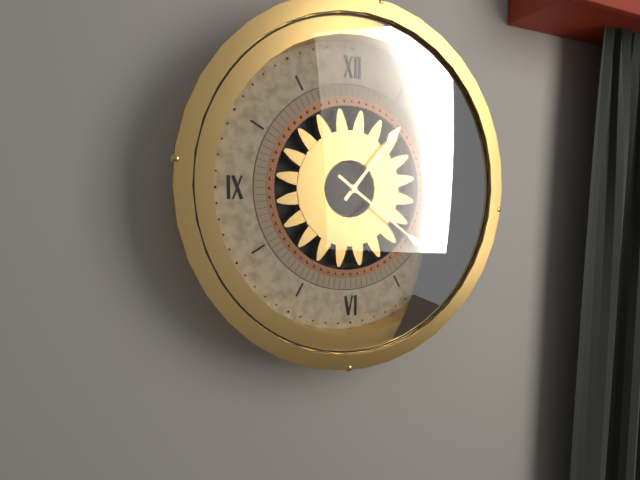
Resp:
1:21
